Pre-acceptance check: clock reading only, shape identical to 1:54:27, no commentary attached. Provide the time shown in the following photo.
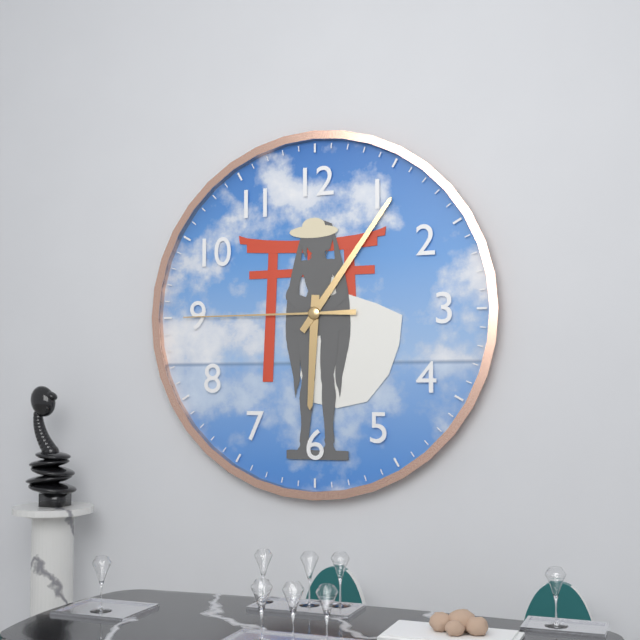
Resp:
6:06:45
